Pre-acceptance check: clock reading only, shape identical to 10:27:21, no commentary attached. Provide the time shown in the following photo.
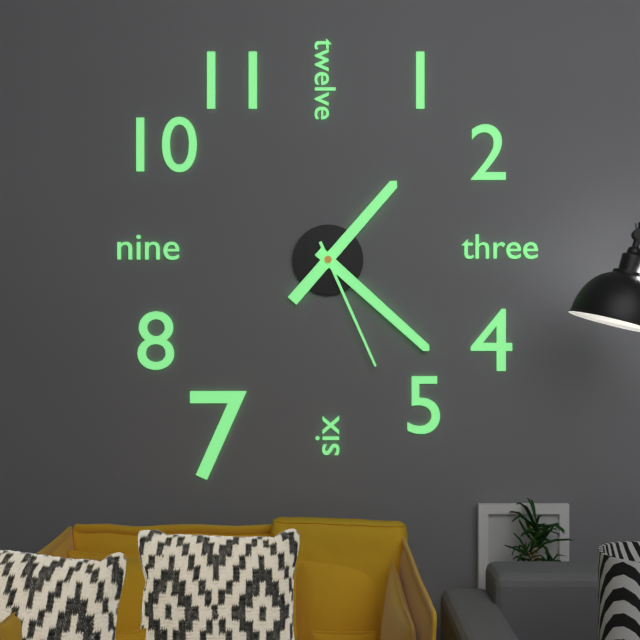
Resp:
1:22:26
